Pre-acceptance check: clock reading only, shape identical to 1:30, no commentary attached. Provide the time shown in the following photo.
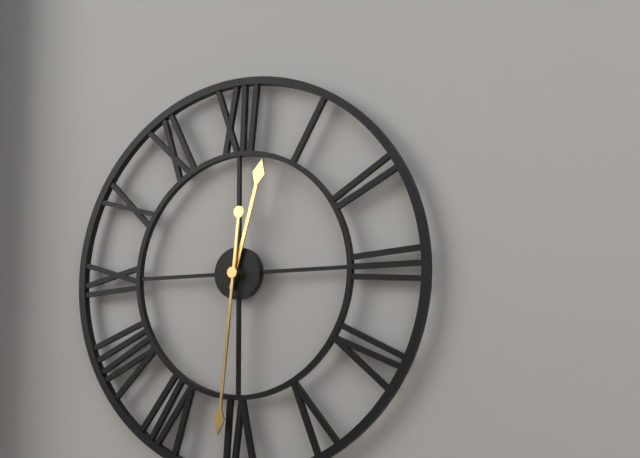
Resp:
12:31
